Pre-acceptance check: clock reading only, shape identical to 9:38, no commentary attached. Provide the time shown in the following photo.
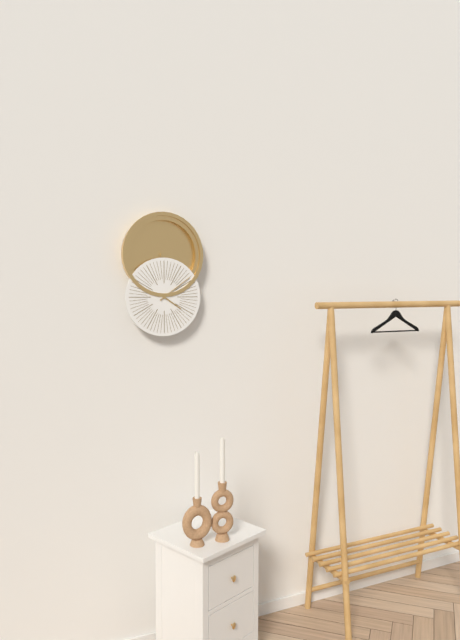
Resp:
4:09
